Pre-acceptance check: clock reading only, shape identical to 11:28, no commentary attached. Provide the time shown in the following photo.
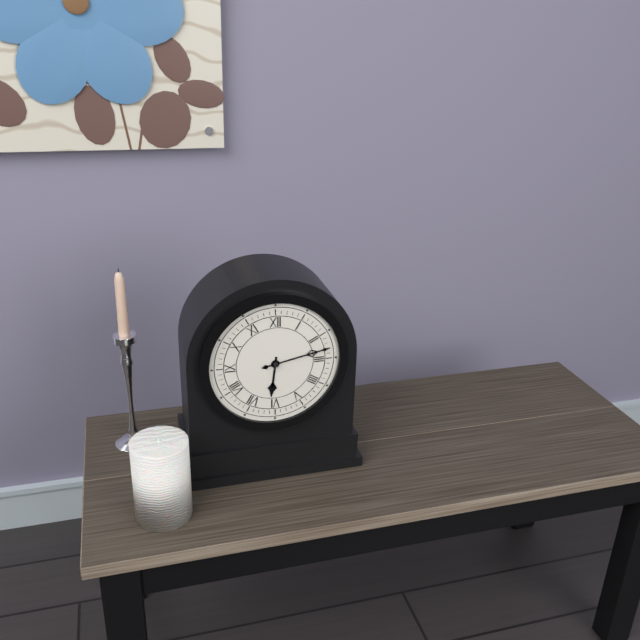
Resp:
6:13
